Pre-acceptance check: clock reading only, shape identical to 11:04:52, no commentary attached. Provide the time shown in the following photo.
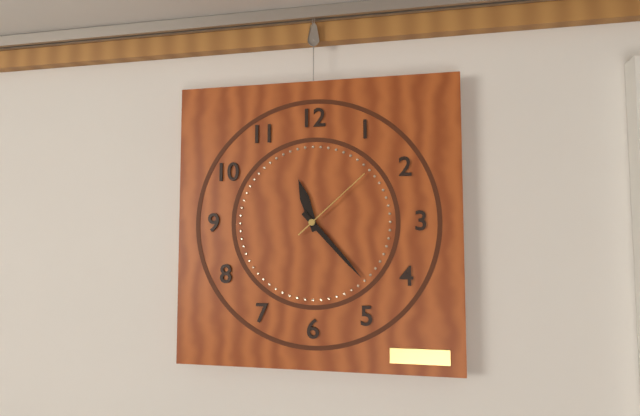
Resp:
11:23:08
